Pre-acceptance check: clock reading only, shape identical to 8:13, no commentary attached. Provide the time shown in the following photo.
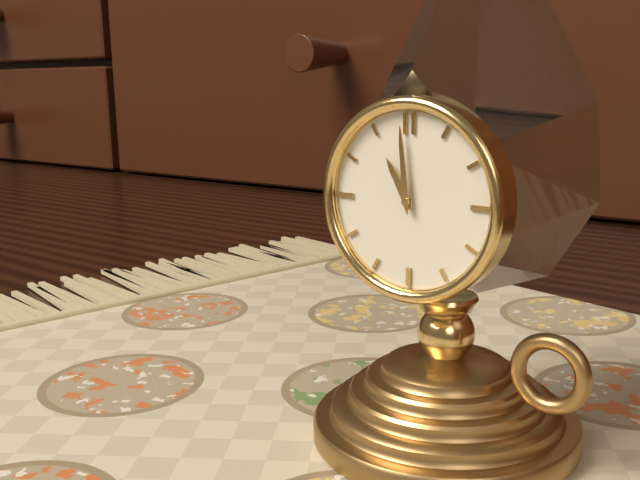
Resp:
10:59
